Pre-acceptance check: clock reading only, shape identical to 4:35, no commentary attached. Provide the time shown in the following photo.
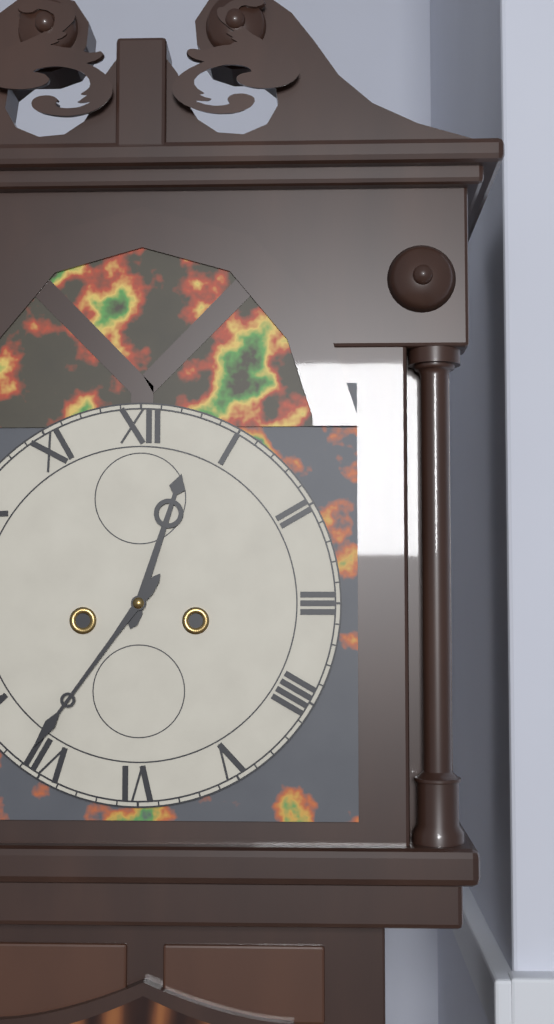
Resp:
12:36
